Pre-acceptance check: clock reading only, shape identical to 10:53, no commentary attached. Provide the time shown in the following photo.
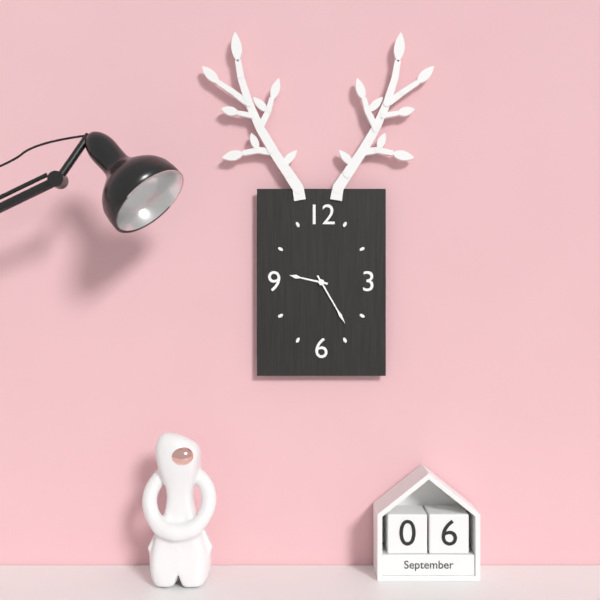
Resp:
9:25
